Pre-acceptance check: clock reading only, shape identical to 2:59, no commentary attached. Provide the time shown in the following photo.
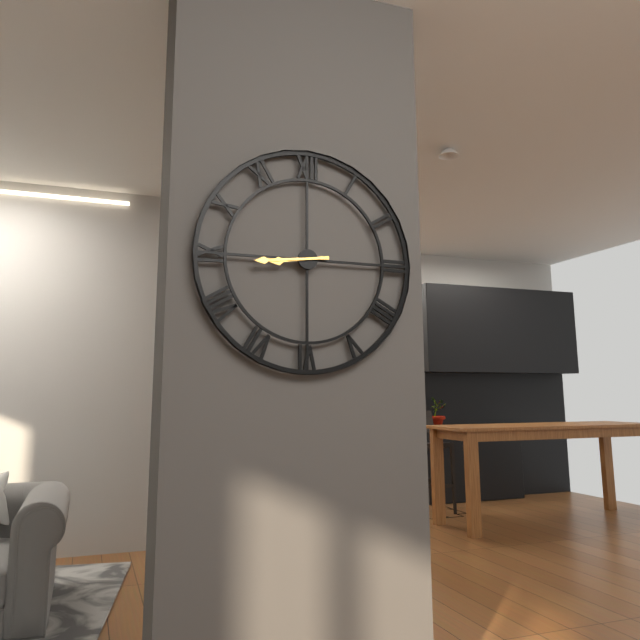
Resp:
8:44
